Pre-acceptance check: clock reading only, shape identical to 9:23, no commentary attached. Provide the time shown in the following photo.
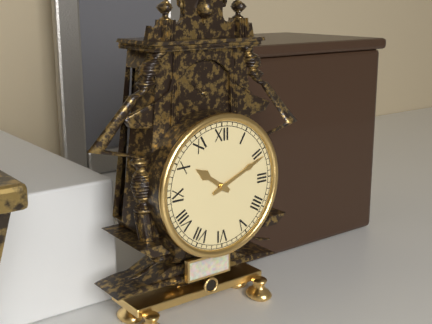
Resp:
10:11
